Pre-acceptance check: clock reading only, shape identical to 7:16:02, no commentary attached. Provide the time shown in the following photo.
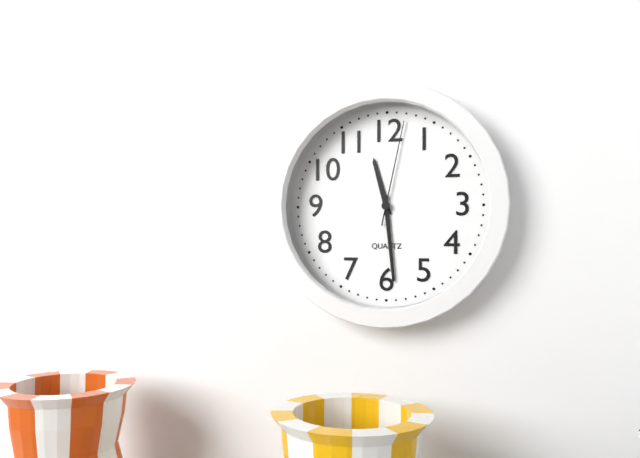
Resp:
11:29:02
